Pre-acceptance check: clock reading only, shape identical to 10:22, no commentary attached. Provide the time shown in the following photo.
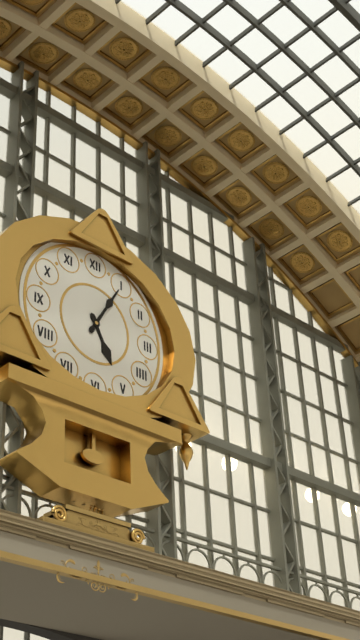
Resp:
5:05
